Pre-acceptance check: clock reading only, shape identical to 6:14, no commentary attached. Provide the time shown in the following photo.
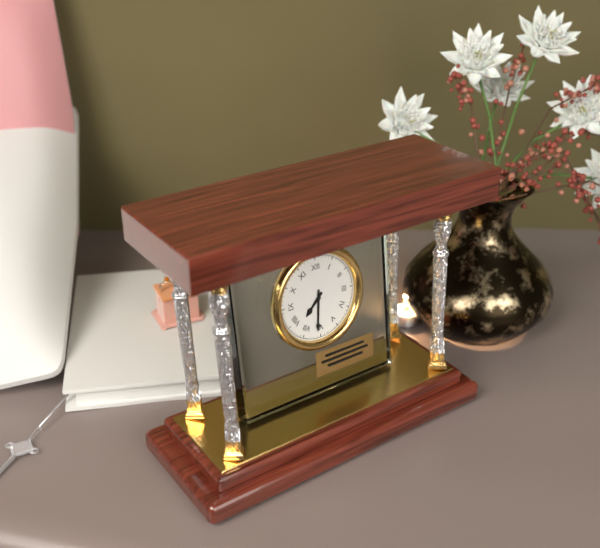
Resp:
7:31
